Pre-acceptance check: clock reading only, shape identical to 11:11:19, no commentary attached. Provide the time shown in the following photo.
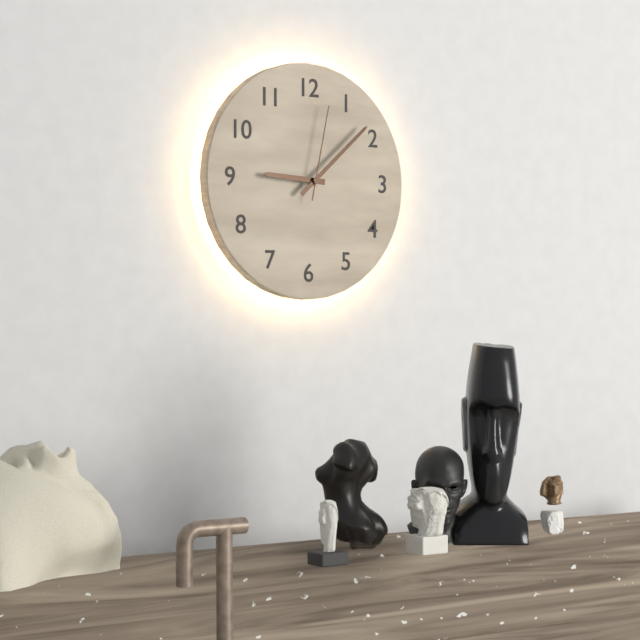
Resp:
9:08:02
